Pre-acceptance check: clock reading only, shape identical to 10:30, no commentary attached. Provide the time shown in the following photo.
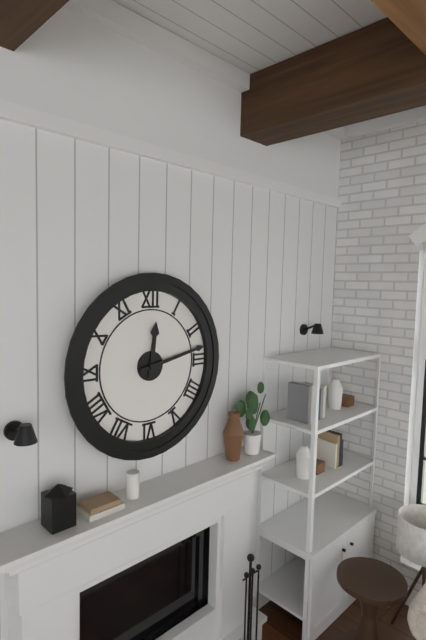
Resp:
12:13
